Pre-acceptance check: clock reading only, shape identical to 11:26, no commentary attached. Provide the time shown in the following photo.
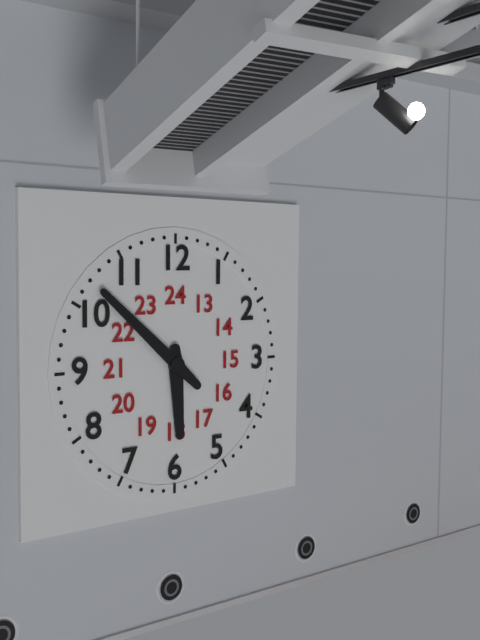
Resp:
5:52
